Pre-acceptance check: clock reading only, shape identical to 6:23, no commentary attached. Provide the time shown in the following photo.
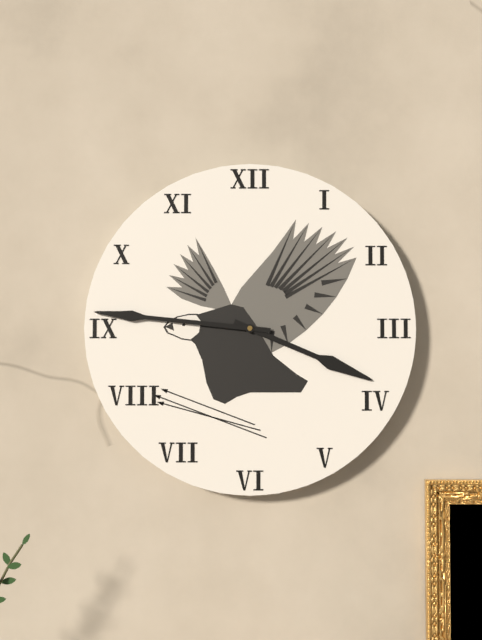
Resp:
3:46
